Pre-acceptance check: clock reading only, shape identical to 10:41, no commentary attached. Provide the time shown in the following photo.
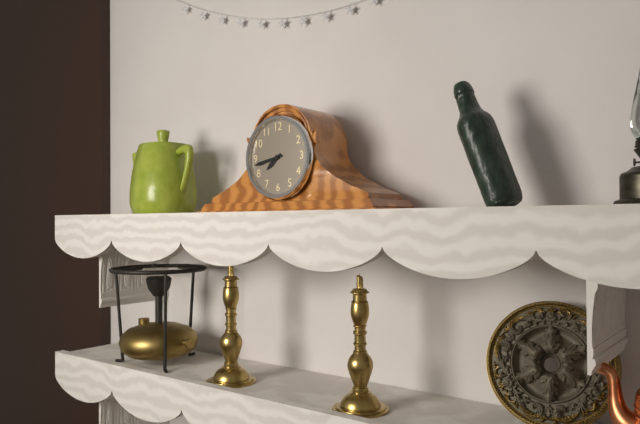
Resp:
7:43
